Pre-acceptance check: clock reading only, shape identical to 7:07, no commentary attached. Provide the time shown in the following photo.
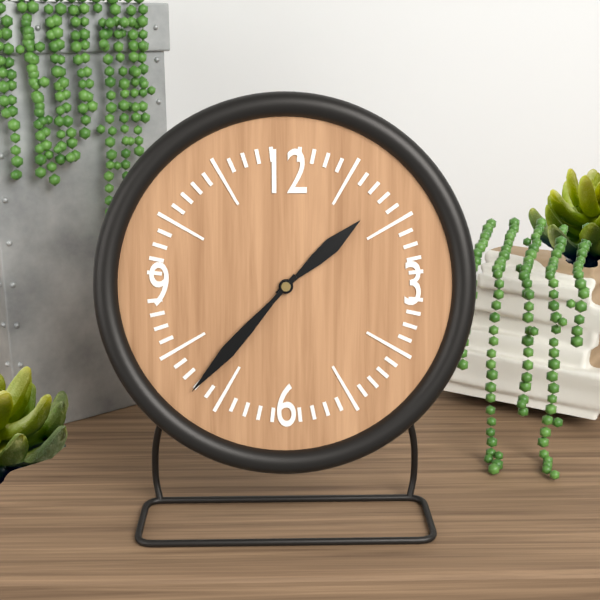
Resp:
1:37
